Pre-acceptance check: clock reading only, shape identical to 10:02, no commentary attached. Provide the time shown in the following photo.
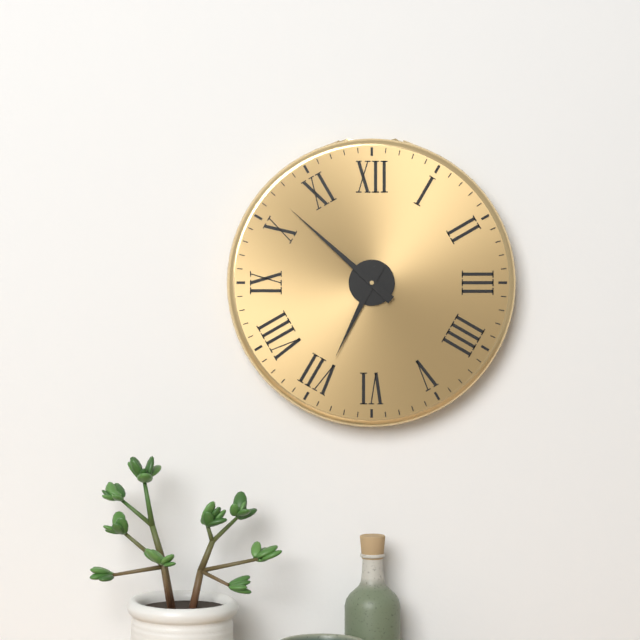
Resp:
6:52
